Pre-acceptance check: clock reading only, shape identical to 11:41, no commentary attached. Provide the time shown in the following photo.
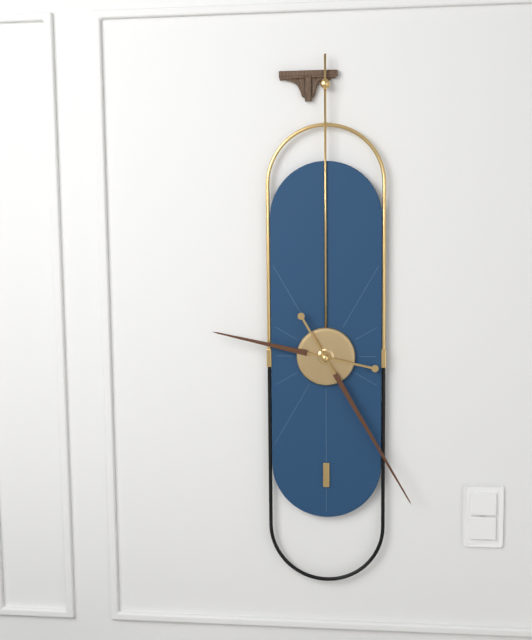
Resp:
9:25
